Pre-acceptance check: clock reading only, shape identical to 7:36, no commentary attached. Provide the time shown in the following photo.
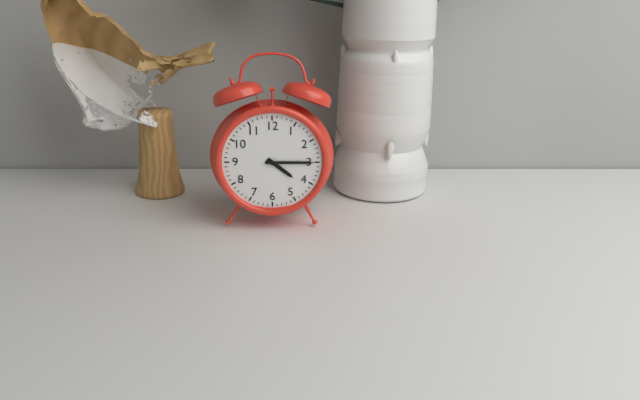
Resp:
4:15
